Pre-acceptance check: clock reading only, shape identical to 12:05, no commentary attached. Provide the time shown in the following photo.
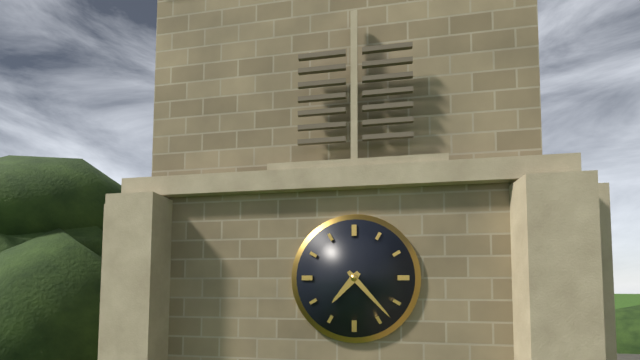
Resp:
7:23
